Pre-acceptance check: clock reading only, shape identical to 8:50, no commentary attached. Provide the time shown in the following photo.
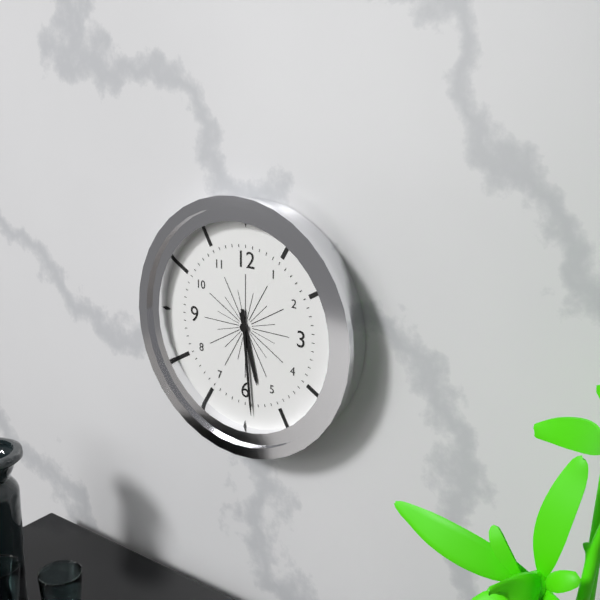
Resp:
5:29
